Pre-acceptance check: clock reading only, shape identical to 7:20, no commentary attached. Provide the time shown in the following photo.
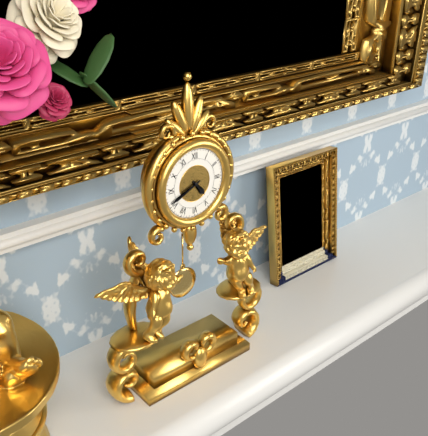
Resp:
4:41
